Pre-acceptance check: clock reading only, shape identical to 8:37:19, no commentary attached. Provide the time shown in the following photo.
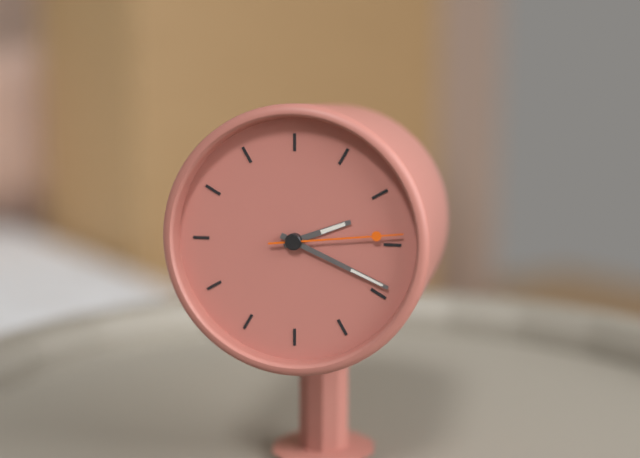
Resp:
2:19:14
